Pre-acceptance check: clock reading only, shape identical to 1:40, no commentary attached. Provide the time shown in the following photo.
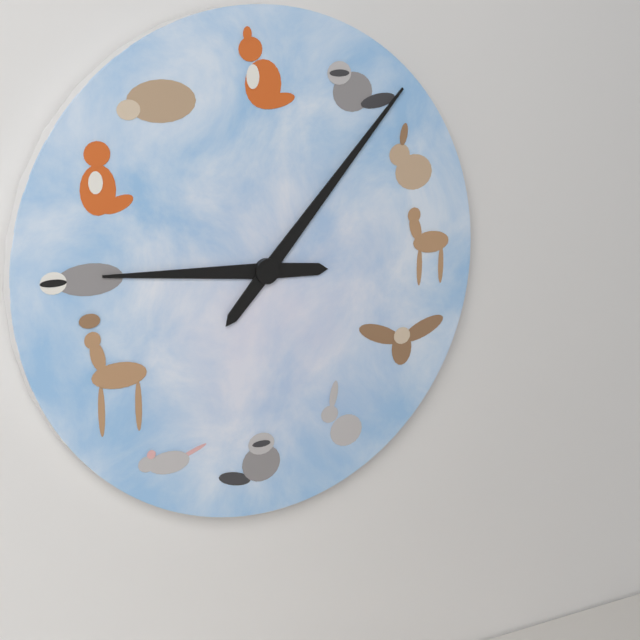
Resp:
9:07
